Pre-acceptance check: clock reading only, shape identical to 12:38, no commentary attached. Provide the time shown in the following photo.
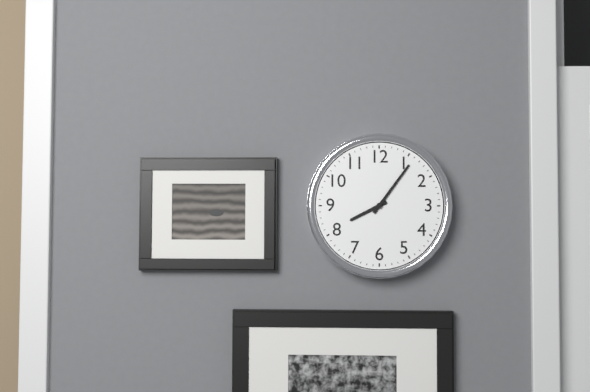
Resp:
8:06
